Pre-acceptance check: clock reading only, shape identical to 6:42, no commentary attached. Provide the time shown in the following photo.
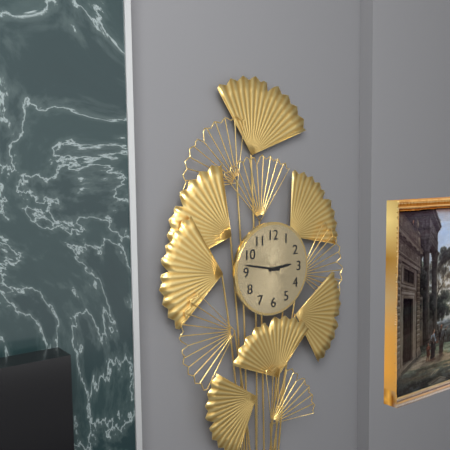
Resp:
2:47
